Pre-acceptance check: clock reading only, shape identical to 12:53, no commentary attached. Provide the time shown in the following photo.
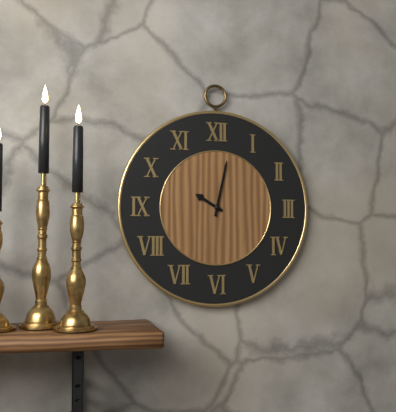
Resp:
10:02
